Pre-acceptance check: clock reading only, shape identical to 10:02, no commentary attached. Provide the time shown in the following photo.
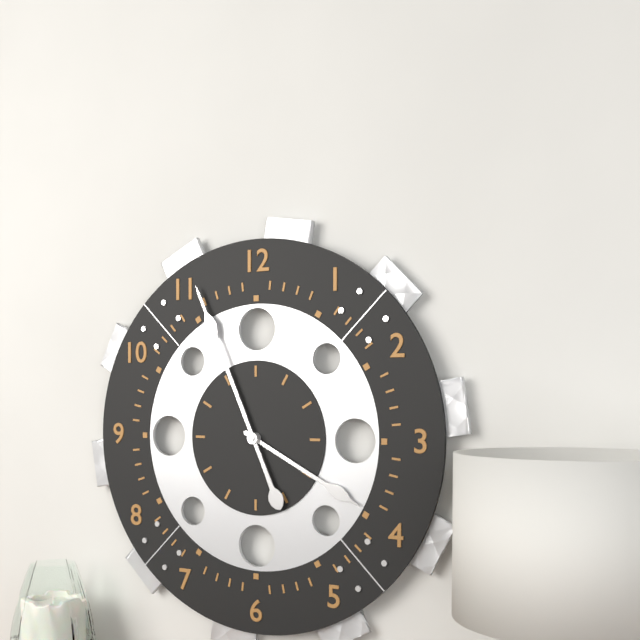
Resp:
3:56
